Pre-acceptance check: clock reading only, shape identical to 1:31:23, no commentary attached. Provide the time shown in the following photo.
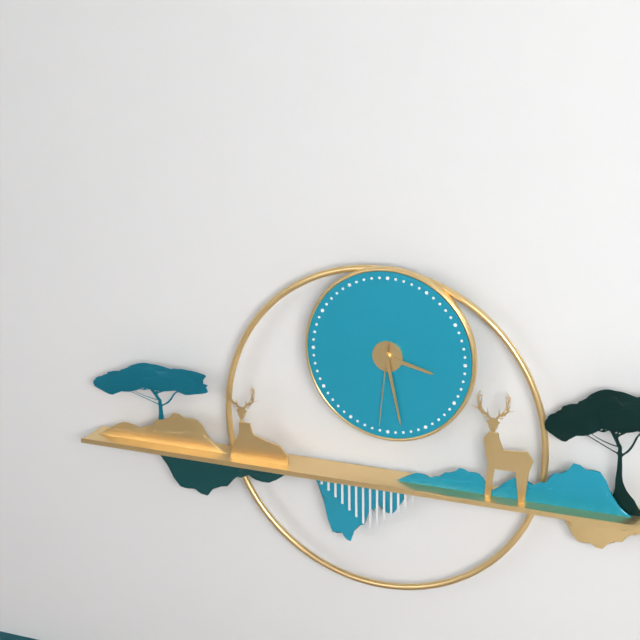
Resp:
3:28:31
